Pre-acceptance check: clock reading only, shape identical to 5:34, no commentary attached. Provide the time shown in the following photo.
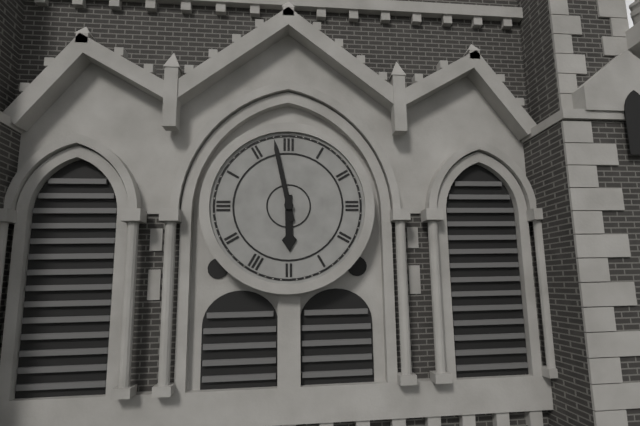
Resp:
5:58
